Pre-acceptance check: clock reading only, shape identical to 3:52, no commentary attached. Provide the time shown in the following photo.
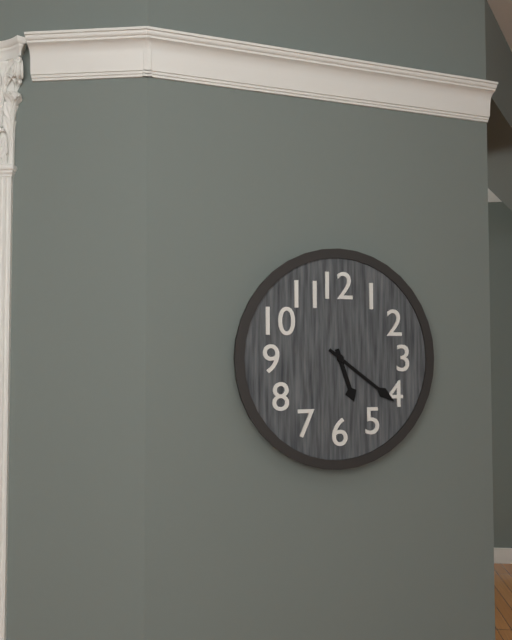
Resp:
5:21
